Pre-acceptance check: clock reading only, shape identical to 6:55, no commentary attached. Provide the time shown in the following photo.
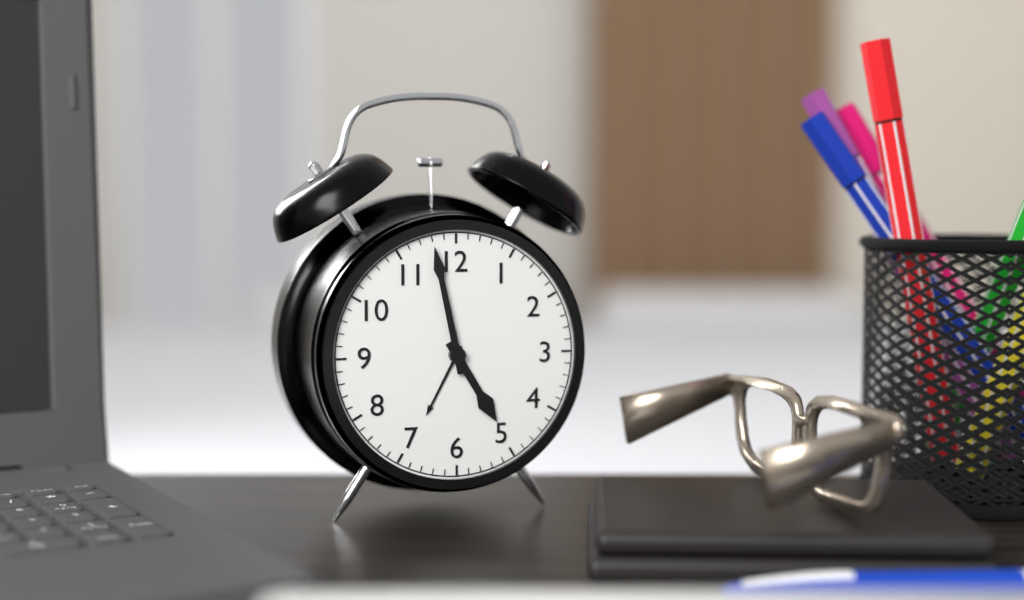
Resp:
4:58
